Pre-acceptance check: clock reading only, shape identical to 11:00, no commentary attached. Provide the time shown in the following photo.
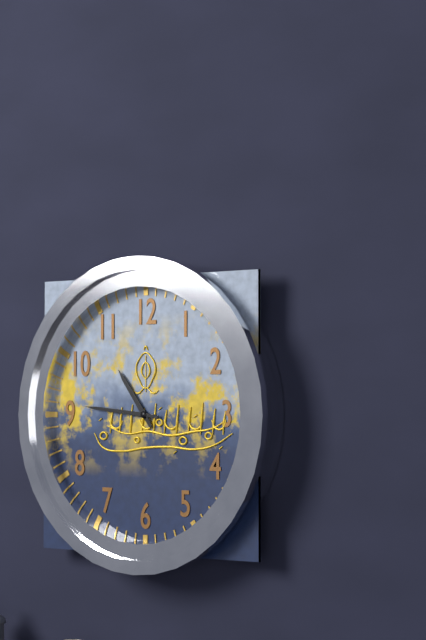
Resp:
10:46
